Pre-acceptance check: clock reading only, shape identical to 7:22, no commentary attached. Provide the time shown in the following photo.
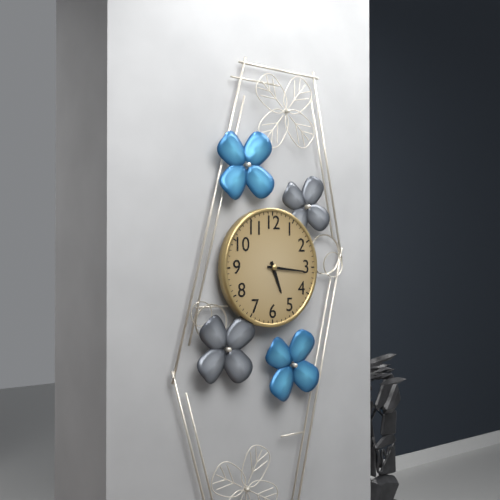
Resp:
5:16
